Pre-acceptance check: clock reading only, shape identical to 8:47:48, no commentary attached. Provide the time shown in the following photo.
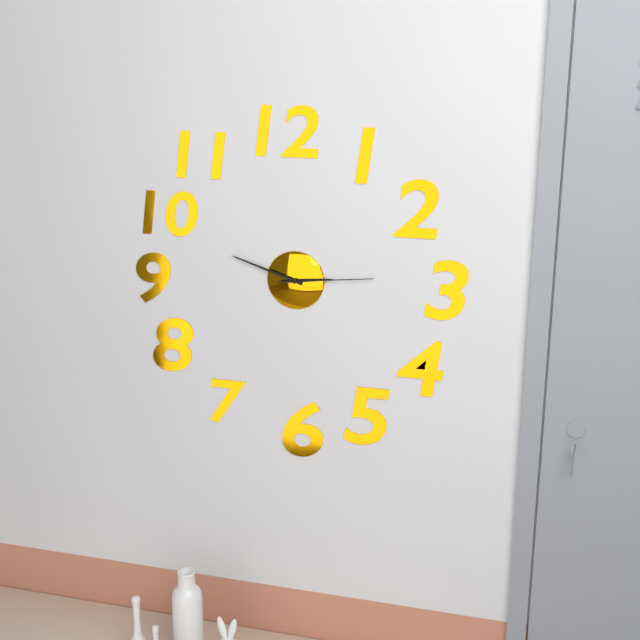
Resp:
2:48:14
